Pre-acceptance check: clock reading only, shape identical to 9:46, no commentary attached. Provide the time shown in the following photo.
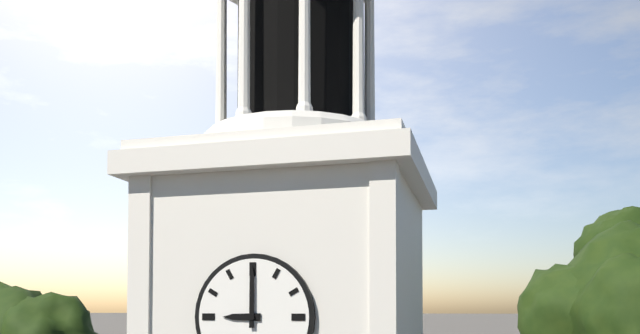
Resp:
9:00
